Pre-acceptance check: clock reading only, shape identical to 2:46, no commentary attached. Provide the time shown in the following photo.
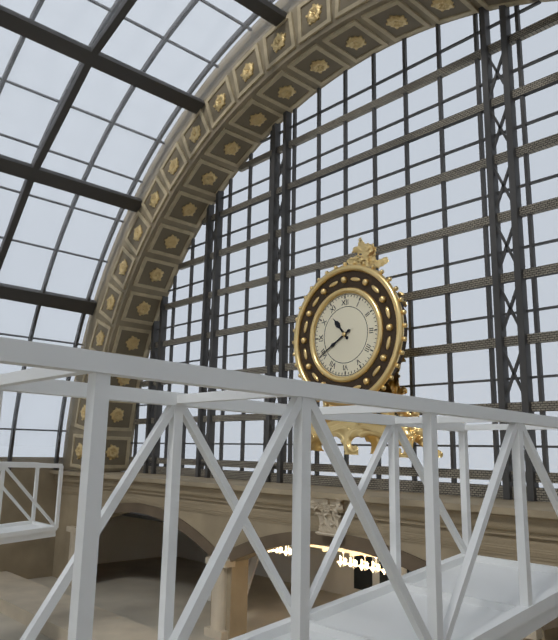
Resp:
10:40
